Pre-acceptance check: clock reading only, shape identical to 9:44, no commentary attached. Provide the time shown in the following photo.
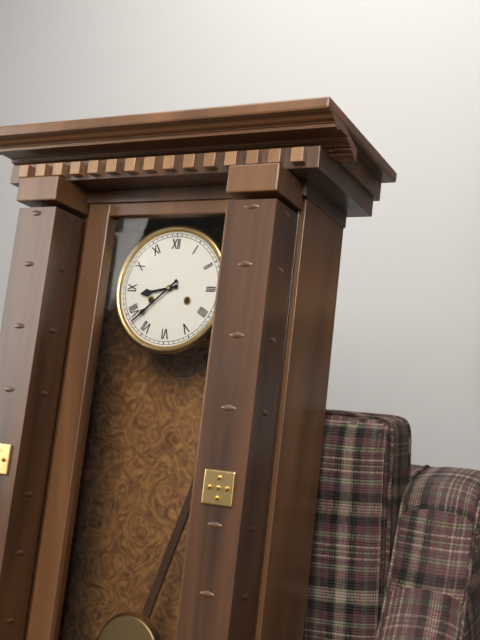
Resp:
8:38
